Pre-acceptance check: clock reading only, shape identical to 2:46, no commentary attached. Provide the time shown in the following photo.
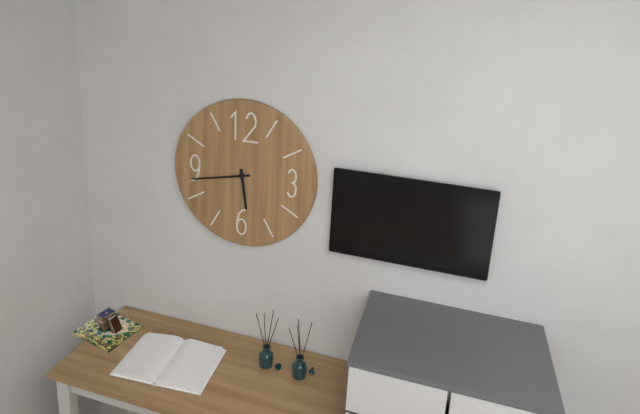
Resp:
5:43
